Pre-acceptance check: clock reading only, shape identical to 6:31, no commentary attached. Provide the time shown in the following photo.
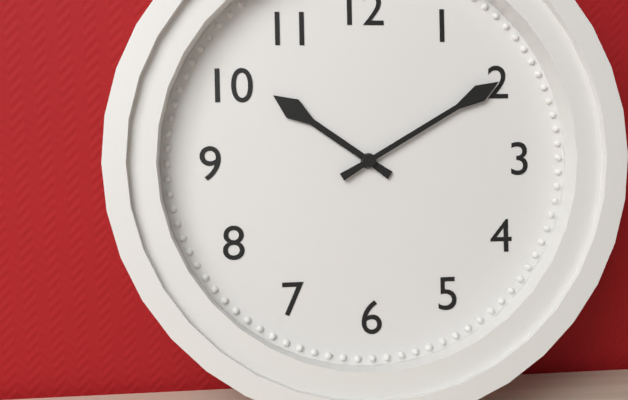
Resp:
10:10
